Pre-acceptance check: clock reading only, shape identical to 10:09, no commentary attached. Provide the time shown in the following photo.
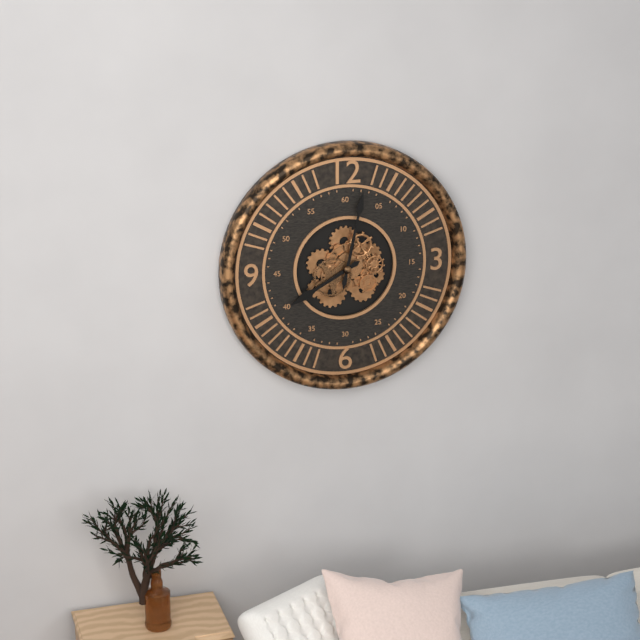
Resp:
8:02
